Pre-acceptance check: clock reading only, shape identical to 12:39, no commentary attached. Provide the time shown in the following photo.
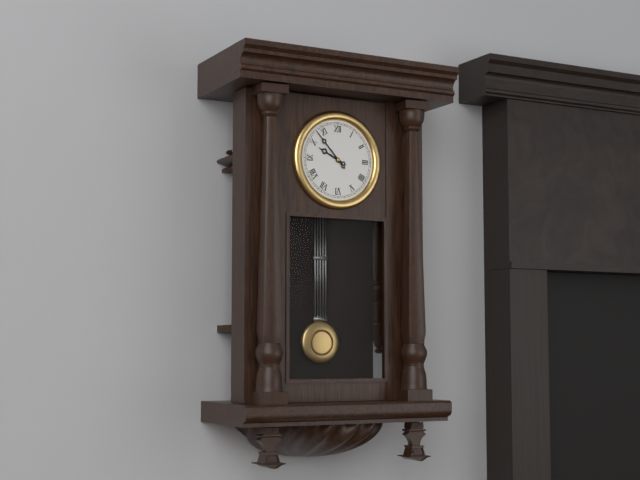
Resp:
9:53
